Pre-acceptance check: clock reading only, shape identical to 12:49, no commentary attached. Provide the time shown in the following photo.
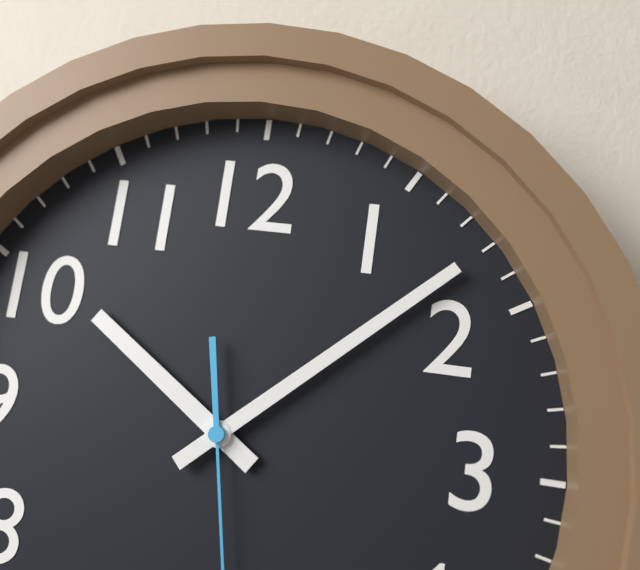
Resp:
10:08
